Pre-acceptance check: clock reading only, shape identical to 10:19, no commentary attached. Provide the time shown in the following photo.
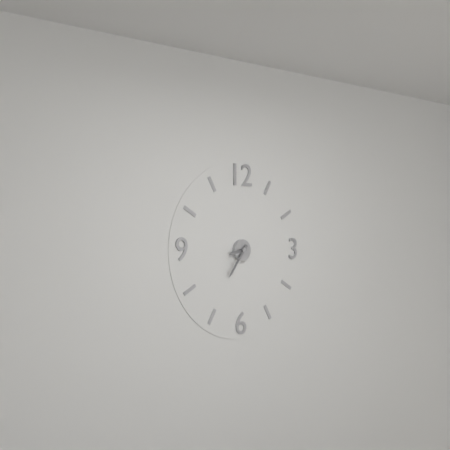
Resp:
8:36
